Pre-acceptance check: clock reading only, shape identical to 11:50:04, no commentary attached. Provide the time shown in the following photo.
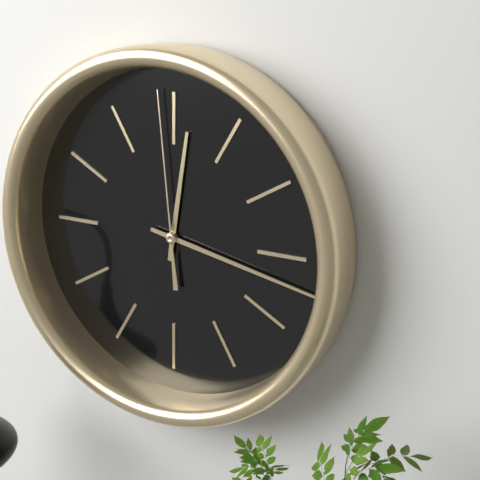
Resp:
12:17:59
